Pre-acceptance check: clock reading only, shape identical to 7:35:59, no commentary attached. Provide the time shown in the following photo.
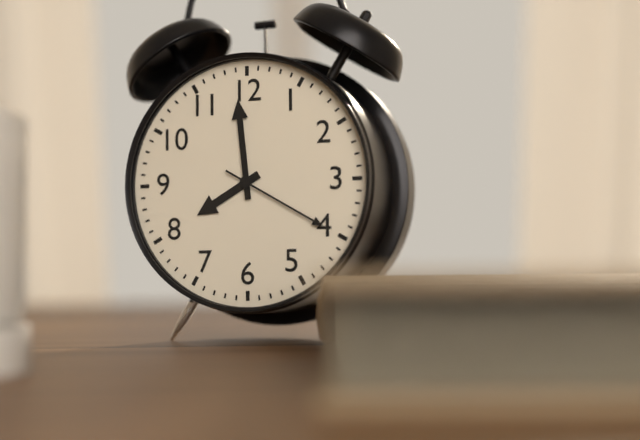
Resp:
7:59:20
